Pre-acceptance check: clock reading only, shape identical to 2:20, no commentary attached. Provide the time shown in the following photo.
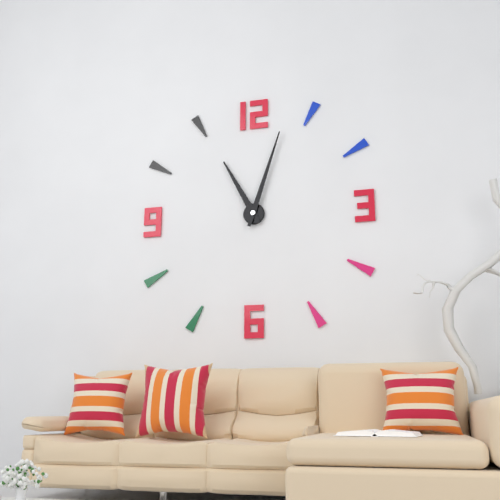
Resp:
11:03
